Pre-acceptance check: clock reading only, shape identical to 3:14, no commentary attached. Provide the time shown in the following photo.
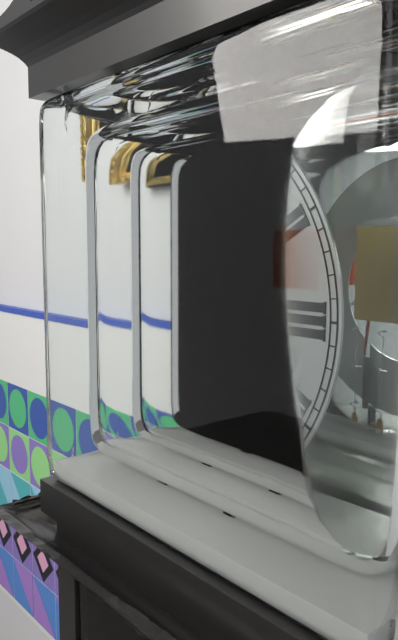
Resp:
8:29
